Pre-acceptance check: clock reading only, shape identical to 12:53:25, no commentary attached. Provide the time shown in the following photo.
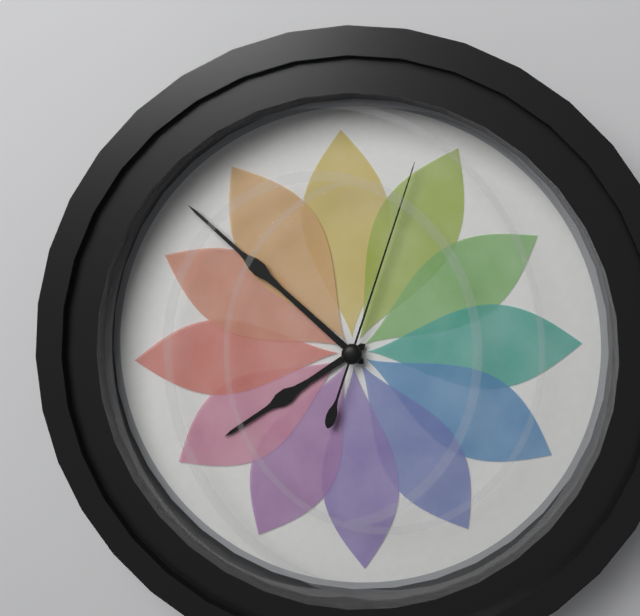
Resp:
7:52:03
